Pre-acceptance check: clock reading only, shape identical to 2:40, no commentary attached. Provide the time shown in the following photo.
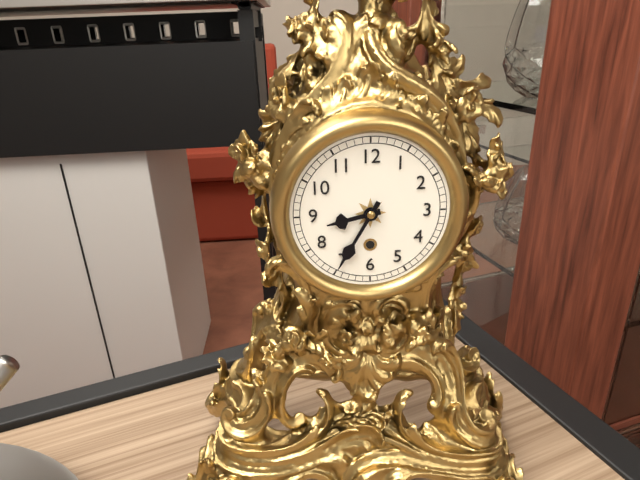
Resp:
8:35
